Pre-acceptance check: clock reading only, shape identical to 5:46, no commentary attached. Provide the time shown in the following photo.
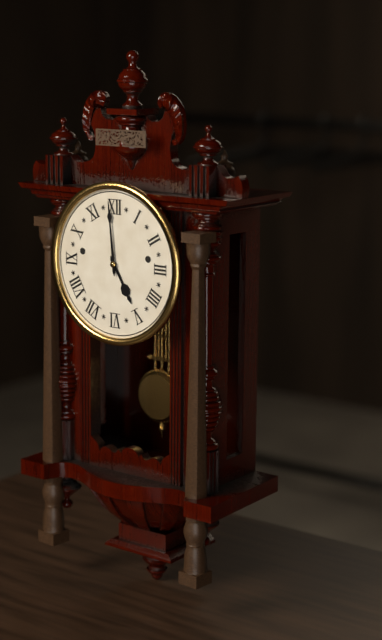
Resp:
4:59
